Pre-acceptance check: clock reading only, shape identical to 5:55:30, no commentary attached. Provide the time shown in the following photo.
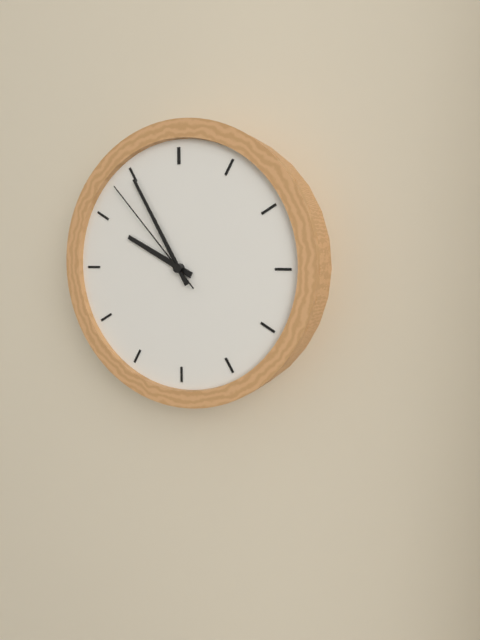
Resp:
9:55:53
